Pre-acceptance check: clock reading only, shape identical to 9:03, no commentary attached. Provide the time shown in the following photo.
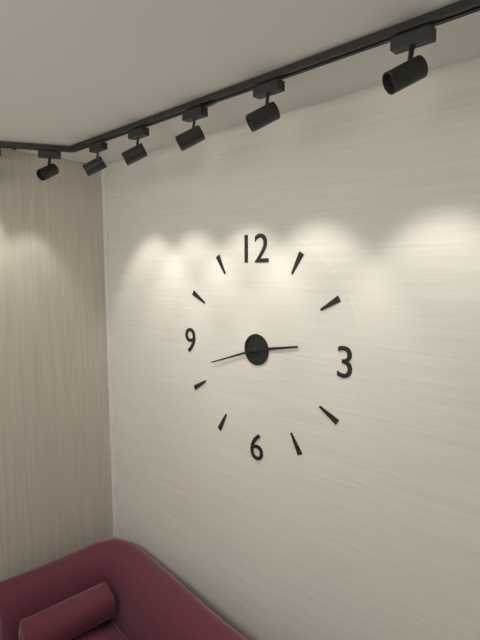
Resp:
2:42
